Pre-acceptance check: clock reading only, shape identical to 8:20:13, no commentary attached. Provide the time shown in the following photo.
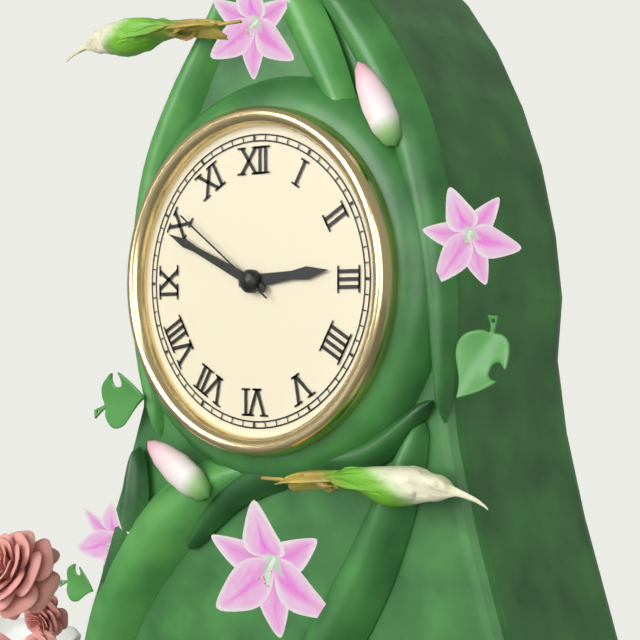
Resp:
2:49:51
